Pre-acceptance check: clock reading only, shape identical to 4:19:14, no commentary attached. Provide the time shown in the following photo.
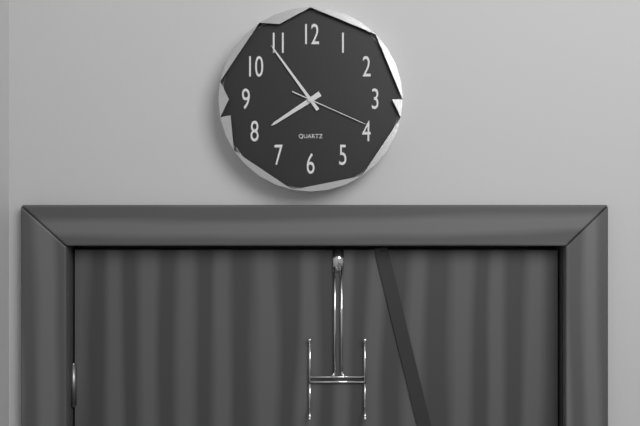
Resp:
7:54:19
